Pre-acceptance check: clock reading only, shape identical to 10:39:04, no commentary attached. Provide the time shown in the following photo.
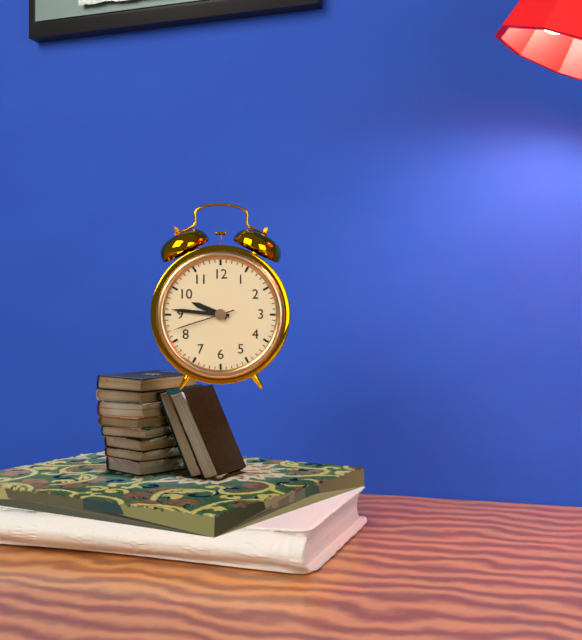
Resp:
9:46:42
